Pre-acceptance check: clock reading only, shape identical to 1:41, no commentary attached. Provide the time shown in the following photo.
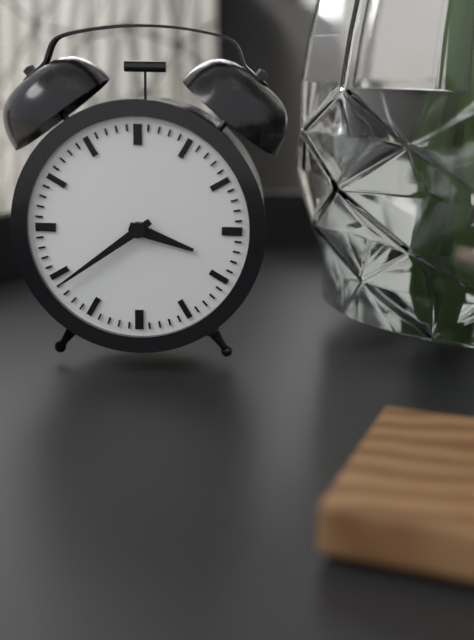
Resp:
3:39
